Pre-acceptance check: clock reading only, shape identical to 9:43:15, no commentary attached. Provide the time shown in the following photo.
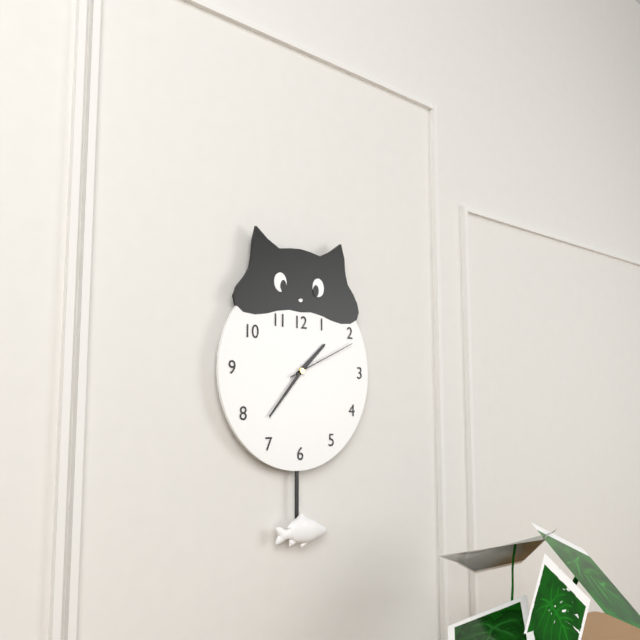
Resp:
1:37:11
